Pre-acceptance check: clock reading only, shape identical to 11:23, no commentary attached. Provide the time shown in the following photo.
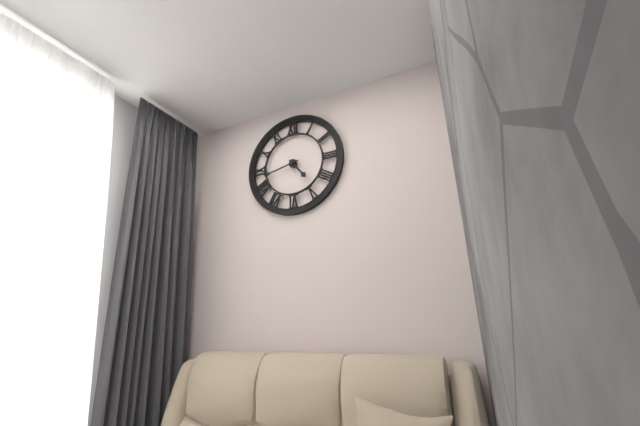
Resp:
4:43
